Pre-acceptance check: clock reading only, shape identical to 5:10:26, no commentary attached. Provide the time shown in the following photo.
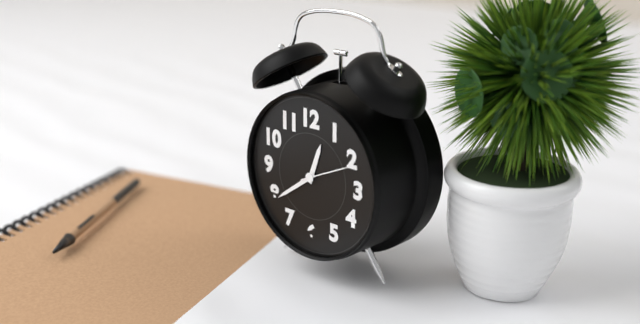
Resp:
12:39:11
